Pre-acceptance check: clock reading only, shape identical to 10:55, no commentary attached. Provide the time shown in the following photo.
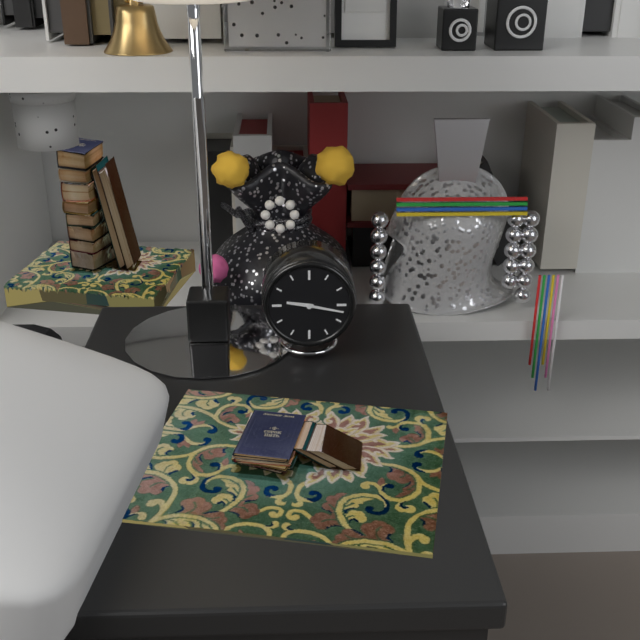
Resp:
9:17
